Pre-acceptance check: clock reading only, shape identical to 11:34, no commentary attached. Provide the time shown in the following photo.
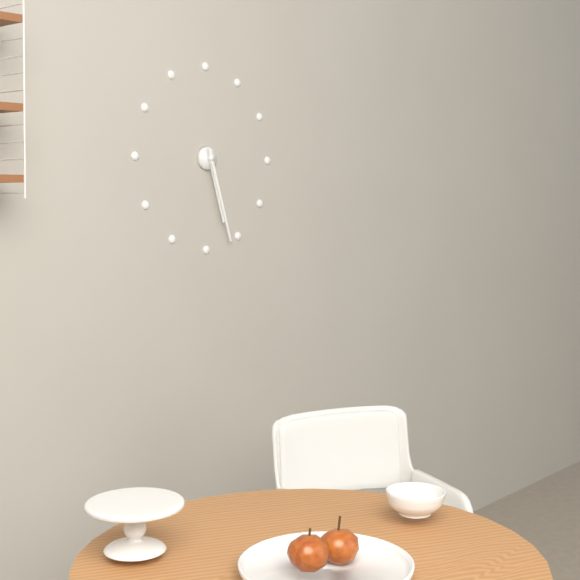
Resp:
5:27
